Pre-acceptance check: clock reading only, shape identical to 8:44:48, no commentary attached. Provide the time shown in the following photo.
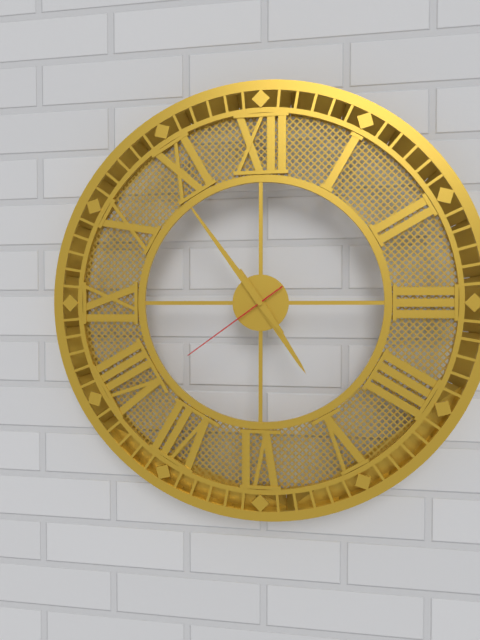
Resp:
4:54:39
